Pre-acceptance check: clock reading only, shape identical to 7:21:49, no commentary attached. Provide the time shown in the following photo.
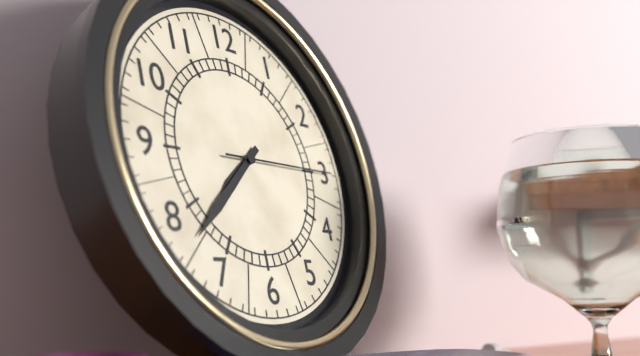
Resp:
7:38:15
